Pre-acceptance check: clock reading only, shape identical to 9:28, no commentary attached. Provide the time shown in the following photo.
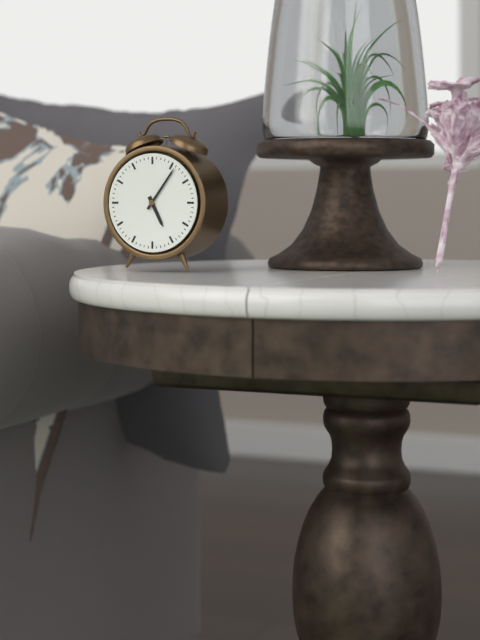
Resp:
5:06
